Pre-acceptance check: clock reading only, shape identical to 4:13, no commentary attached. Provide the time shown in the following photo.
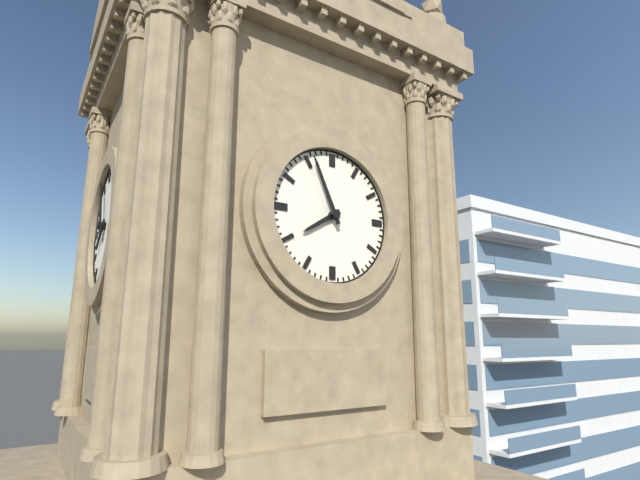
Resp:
7:56
